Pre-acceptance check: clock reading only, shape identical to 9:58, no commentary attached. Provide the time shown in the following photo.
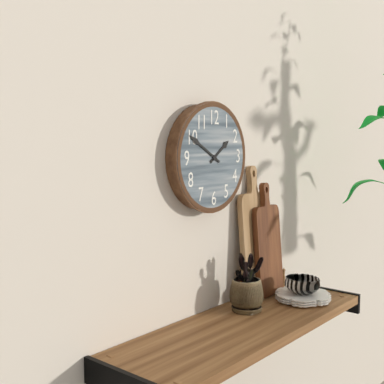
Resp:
1:50
